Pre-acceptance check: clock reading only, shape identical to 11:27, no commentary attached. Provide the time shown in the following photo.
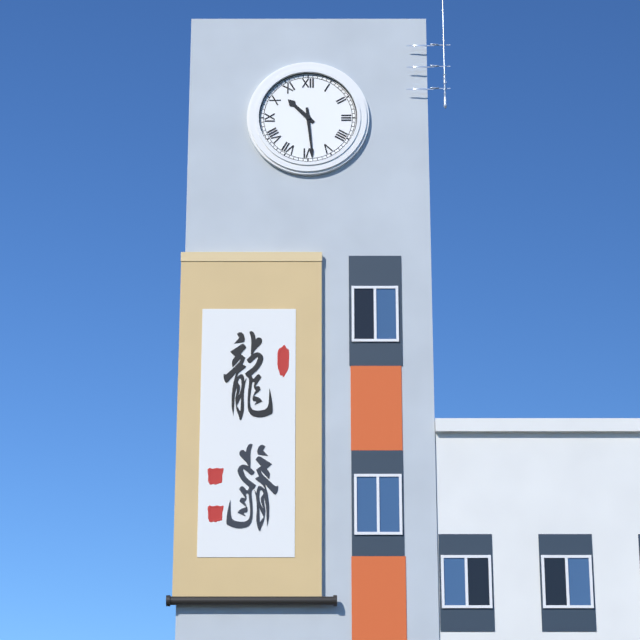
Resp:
10:29
